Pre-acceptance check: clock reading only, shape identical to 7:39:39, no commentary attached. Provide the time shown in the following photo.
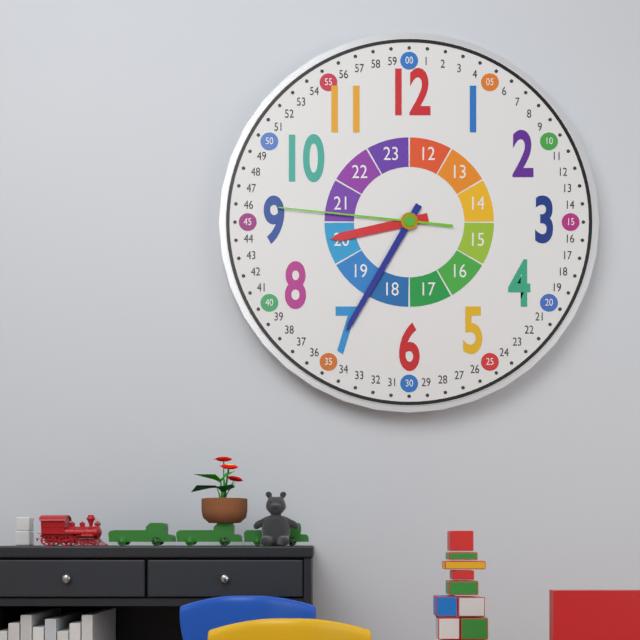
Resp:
8:35:46
